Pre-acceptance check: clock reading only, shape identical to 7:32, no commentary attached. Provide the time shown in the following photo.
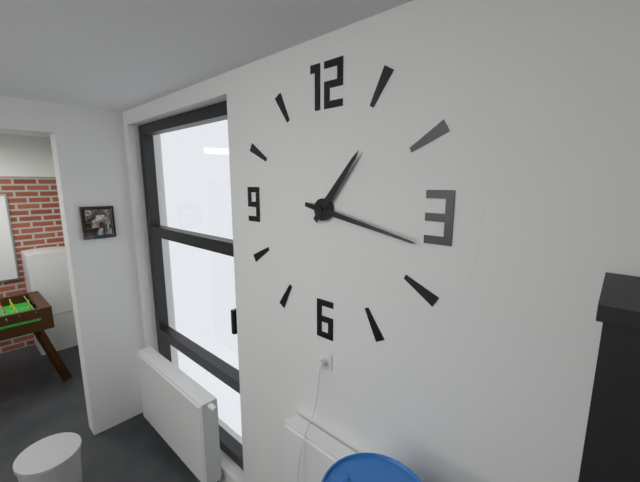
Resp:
1:17
